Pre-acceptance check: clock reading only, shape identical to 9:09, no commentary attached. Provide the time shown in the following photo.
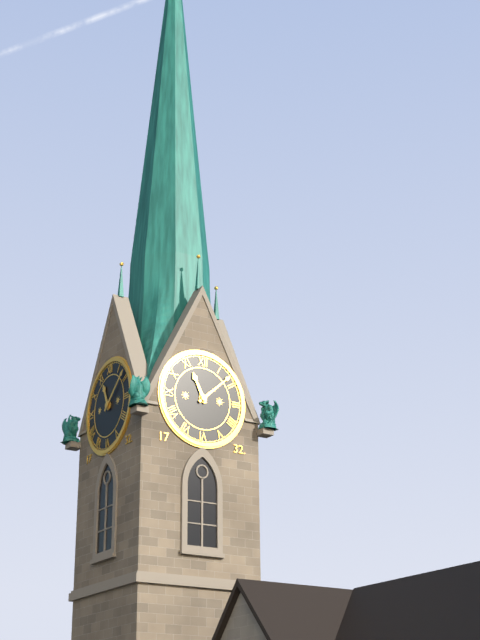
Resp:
11:08
